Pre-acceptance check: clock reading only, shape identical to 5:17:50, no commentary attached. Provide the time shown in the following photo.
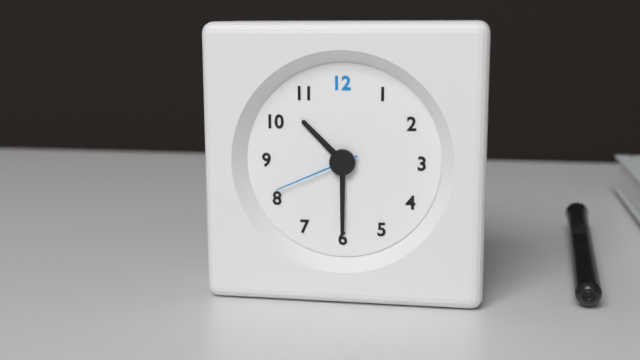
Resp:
10:30:41
